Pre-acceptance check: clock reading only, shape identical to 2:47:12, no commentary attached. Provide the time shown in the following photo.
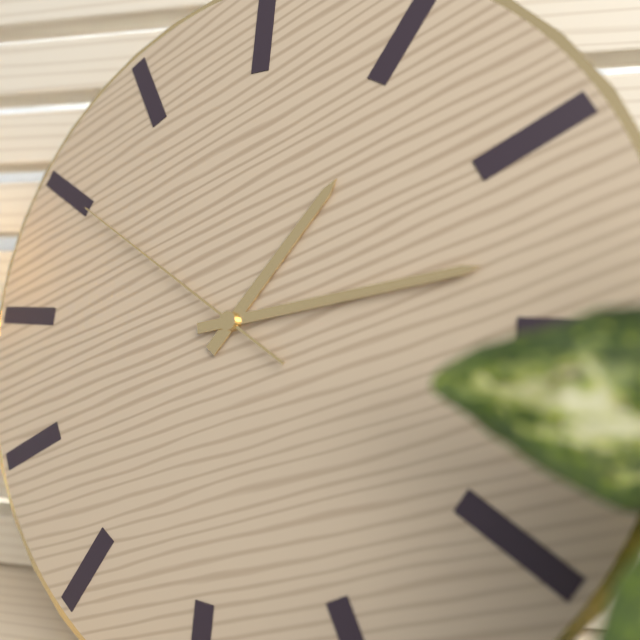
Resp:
1:13:50
